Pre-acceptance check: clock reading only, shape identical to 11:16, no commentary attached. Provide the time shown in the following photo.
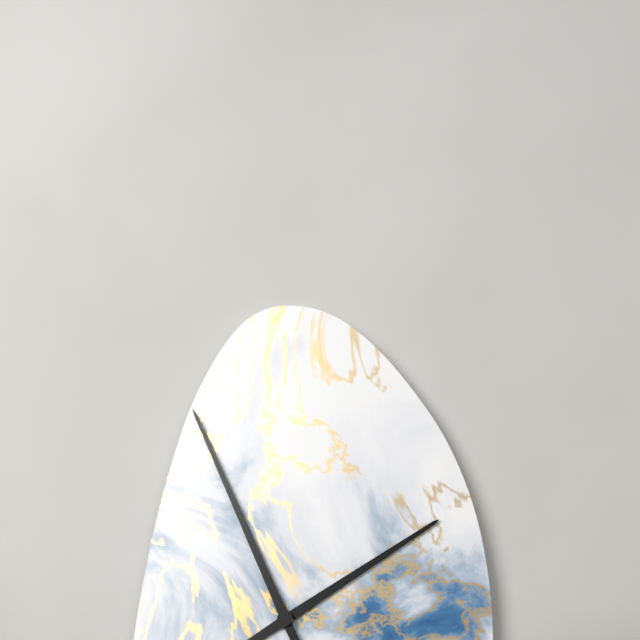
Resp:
1:56
